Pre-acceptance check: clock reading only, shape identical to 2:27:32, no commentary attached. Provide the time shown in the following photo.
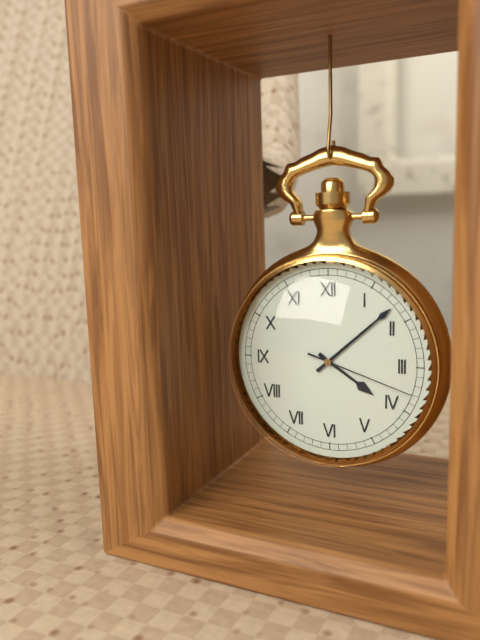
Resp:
4:08:18
